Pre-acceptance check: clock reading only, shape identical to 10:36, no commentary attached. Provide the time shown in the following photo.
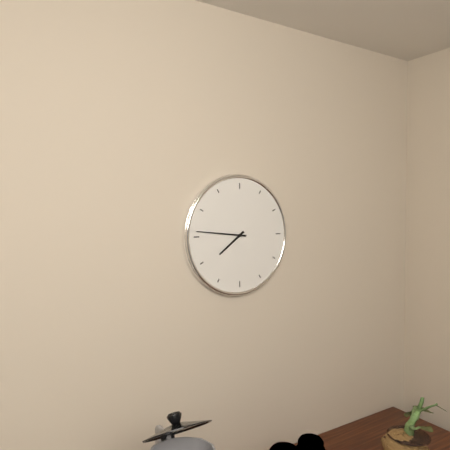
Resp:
7:46
